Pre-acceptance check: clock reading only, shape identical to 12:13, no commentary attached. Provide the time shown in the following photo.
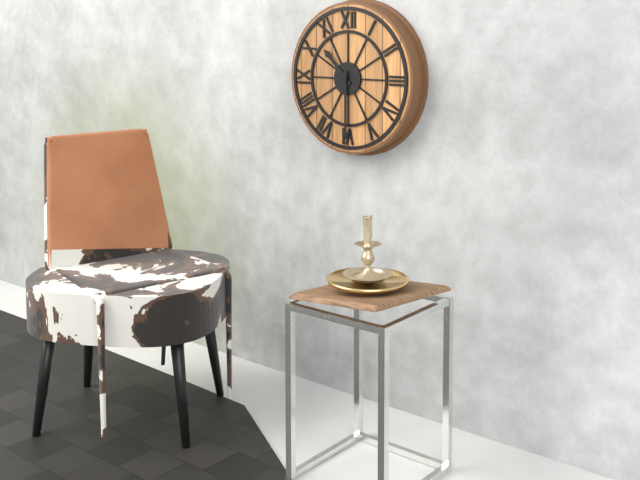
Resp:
10:30
